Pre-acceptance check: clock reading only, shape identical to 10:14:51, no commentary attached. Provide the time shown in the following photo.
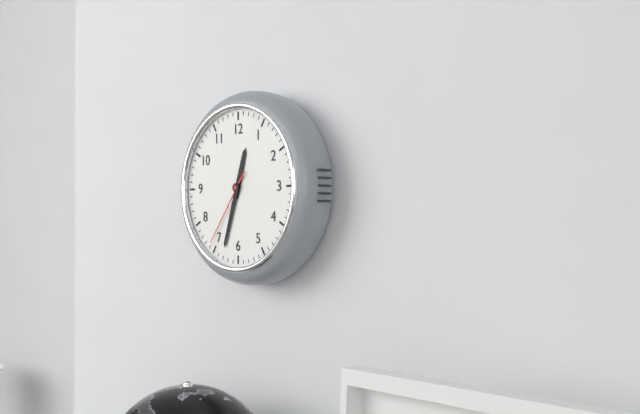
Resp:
12:33:36
